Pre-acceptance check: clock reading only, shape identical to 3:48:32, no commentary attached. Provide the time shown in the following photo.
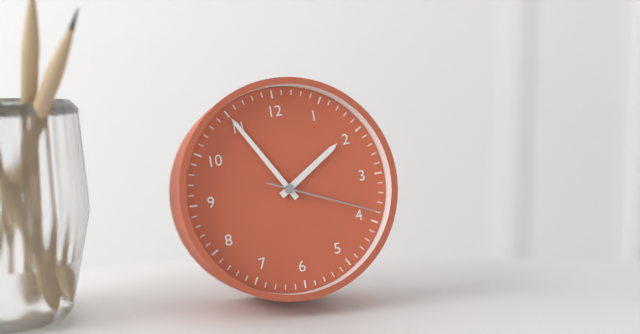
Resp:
1:55:19
